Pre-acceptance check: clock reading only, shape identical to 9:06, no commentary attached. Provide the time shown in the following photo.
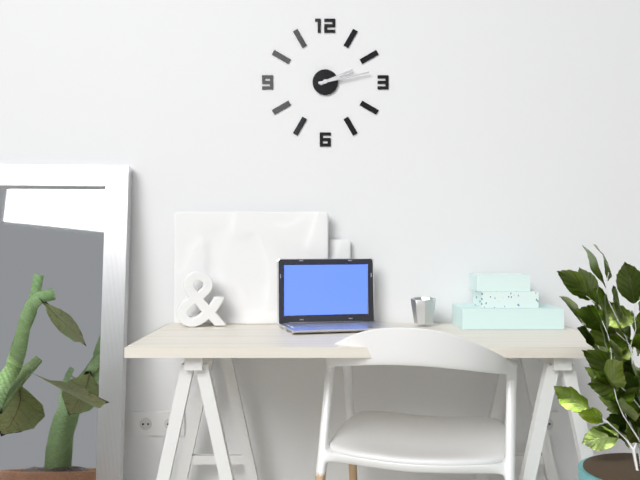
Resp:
2:13
